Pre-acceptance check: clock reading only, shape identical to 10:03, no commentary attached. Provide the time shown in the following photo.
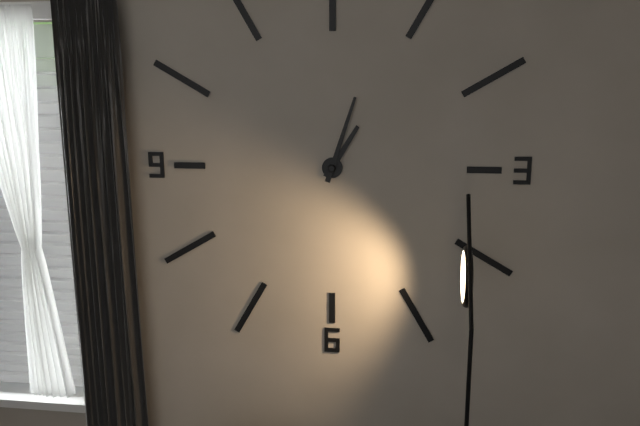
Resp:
1:03
